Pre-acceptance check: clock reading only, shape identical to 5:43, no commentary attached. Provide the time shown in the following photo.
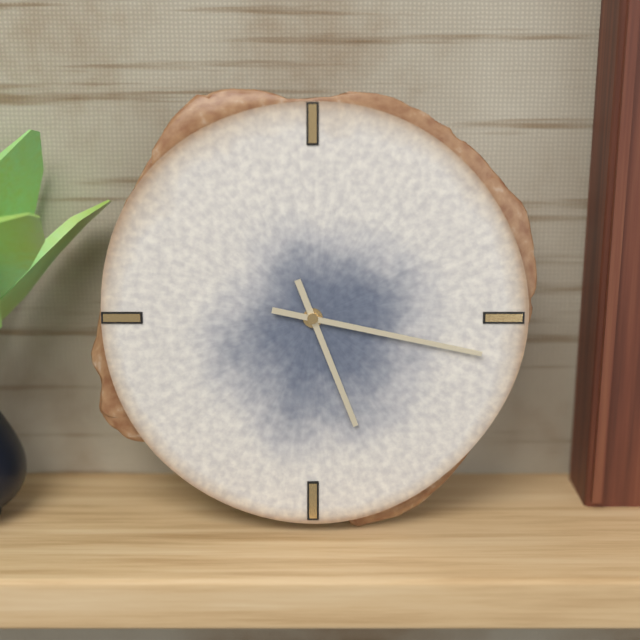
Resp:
5:17
